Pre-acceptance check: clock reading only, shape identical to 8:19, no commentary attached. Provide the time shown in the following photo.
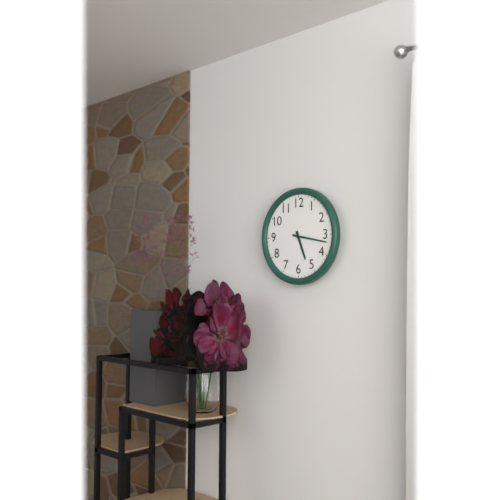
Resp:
5:17
